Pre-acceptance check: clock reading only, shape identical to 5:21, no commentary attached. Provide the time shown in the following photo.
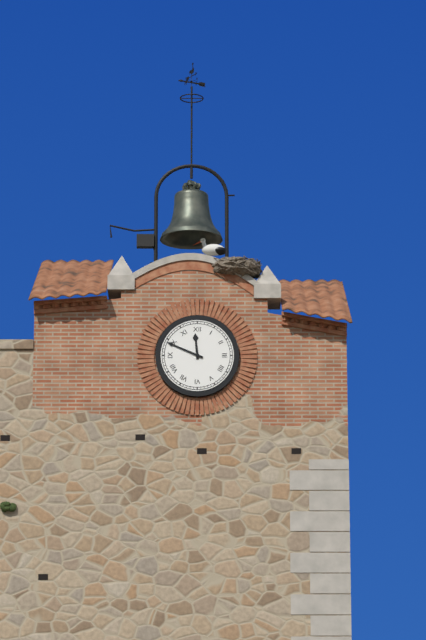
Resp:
11:49
